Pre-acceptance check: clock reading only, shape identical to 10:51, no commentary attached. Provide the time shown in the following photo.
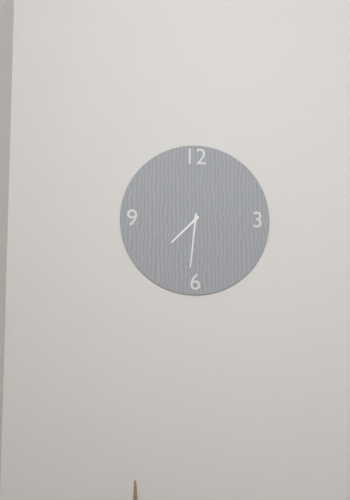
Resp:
7:31
